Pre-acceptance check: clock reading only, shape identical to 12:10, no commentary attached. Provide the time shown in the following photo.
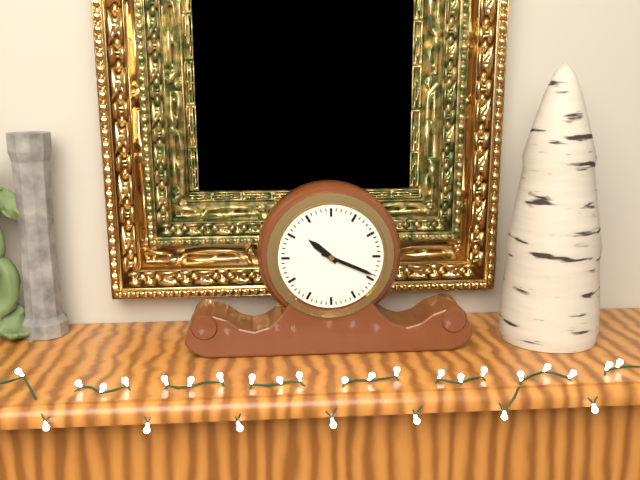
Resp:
10:19
